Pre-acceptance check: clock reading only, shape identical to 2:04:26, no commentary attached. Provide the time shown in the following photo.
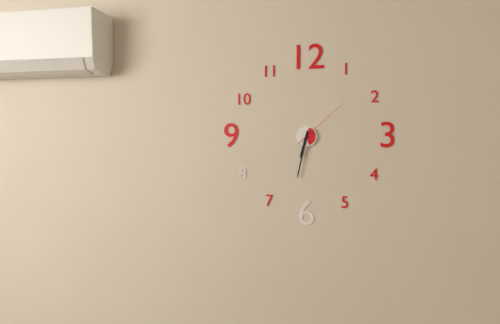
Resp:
6:32:08
